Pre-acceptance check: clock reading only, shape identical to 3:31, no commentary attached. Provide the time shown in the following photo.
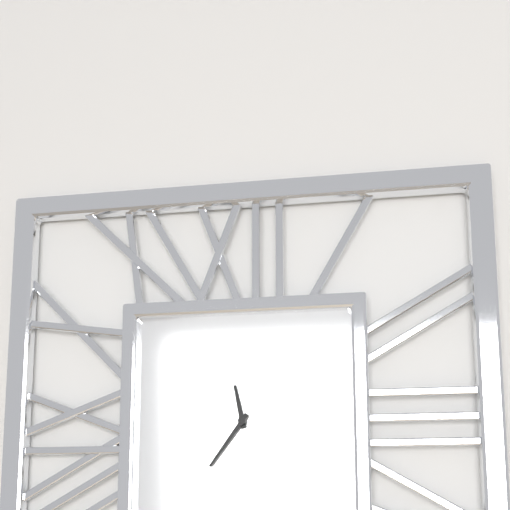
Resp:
11:36
